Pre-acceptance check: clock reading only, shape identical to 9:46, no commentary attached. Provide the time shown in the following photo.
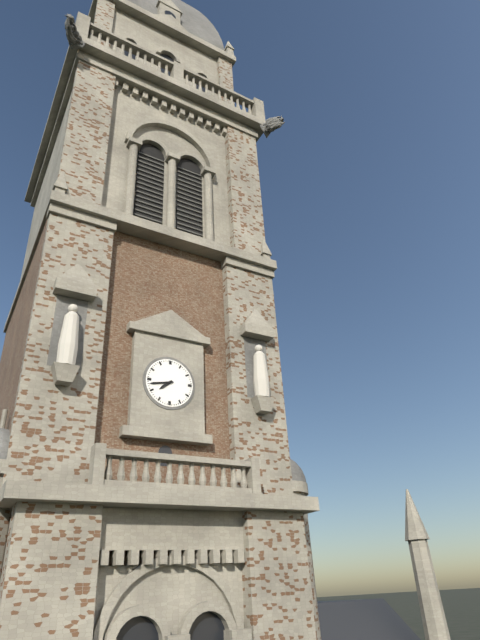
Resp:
7:43
